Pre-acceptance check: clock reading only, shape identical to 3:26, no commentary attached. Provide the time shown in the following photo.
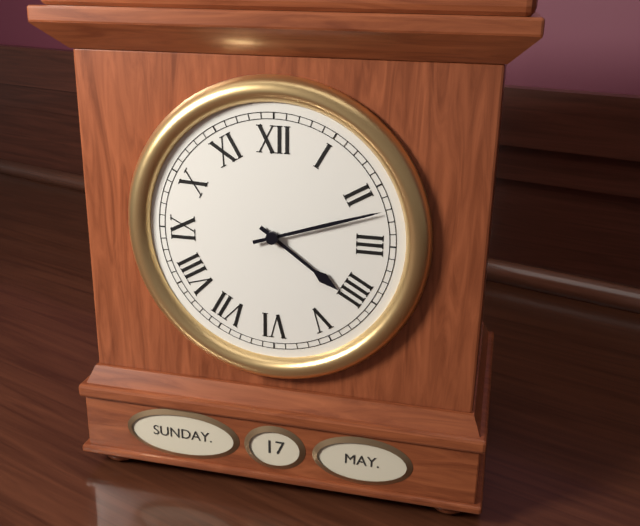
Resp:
4:12
